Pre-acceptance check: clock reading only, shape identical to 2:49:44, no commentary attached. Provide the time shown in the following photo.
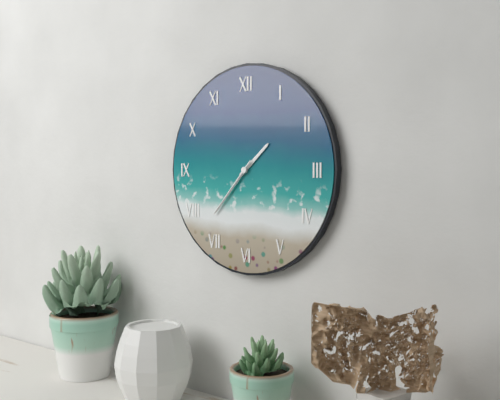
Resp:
1:37:37
